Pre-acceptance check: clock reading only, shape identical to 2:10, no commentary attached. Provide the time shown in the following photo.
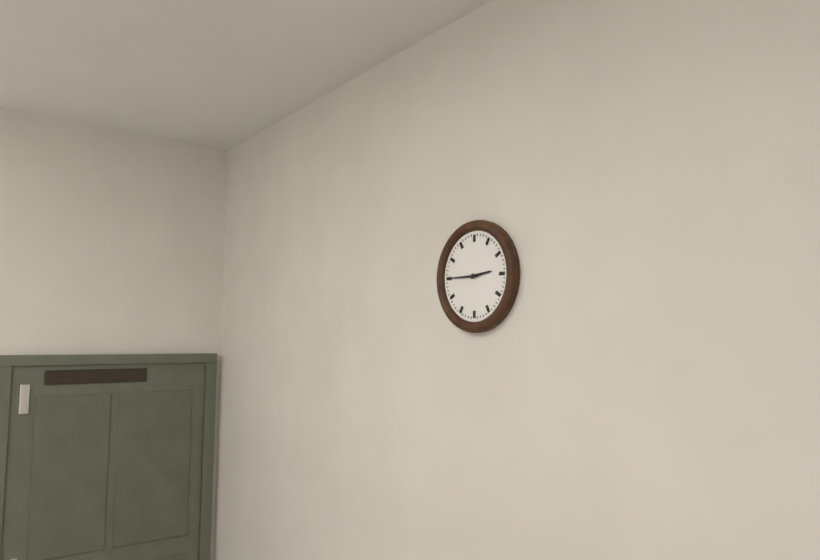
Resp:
2:45
